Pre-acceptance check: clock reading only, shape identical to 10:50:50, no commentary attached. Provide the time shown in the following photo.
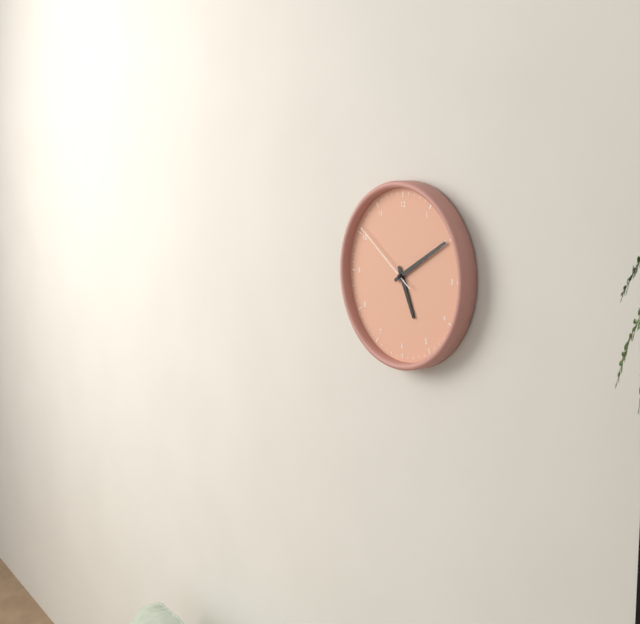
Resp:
5:10:51
